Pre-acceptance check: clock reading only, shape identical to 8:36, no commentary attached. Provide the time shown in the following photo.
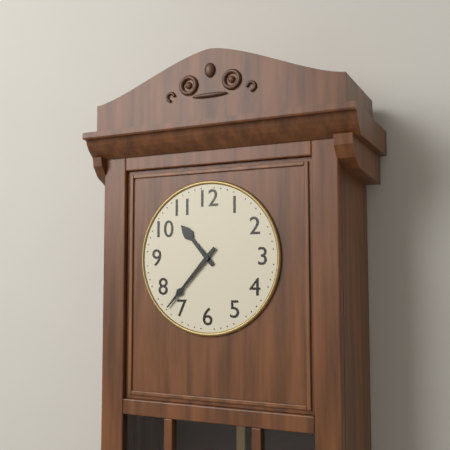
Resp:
10:37
